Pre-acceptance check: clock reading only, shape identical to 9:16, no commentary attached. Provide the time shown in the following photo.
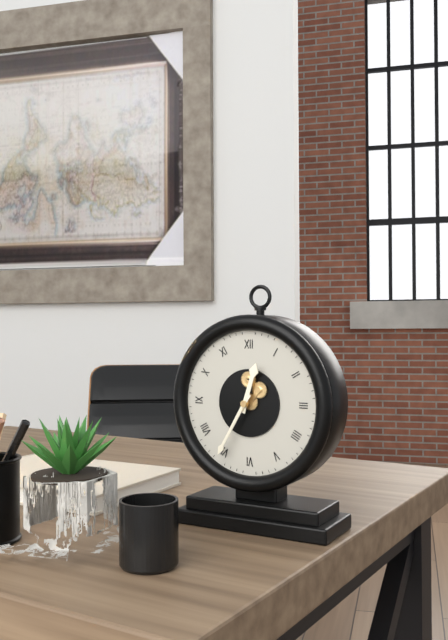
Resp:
12:35
